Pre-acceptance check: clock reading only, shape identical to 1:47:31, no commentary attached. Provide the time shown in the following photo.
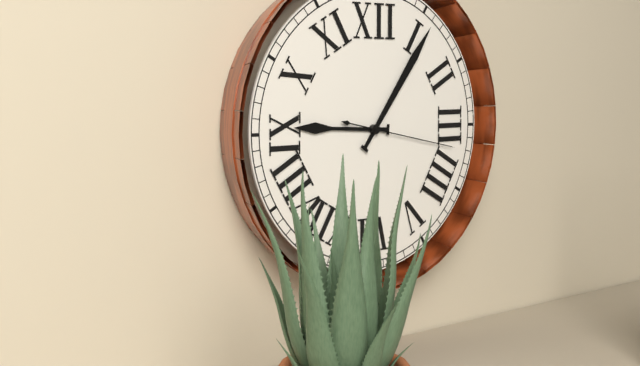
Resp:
9:06:17
